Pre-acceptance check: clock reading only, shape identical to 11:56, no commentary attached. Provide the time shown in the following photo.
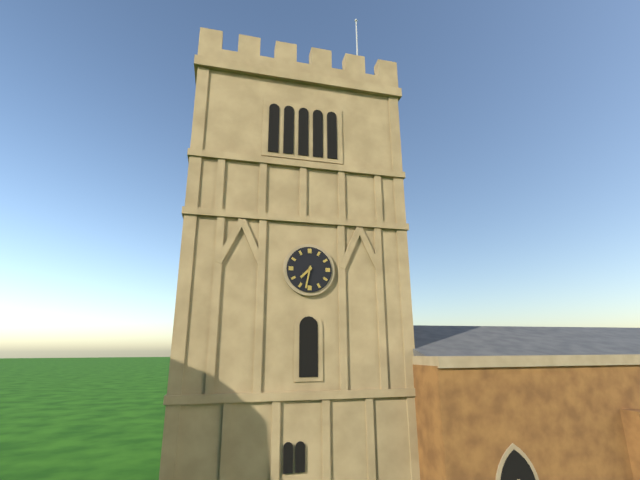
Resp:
7:32
